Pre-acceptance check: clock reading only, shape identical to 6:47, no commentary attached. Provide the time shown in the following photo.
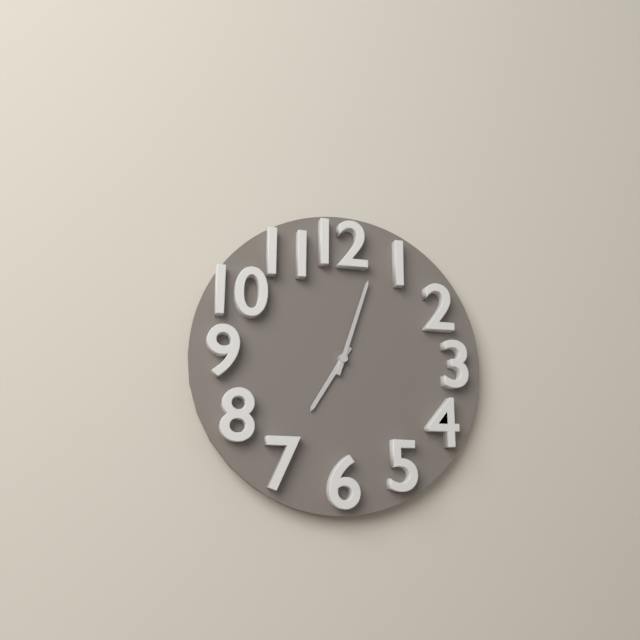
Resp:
7:03
